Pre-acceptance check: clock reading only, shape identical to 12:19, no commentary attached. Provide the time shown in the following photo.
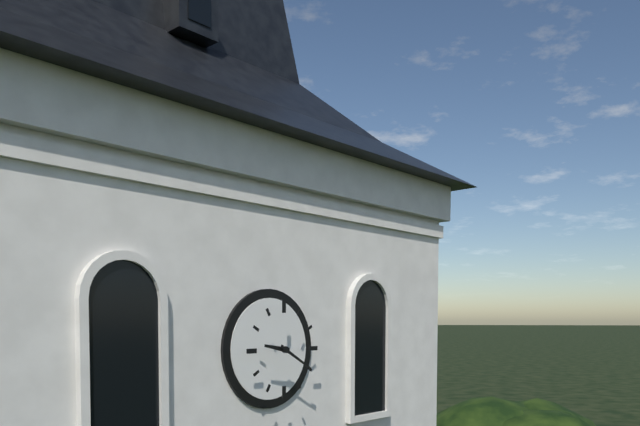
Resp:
9:20
